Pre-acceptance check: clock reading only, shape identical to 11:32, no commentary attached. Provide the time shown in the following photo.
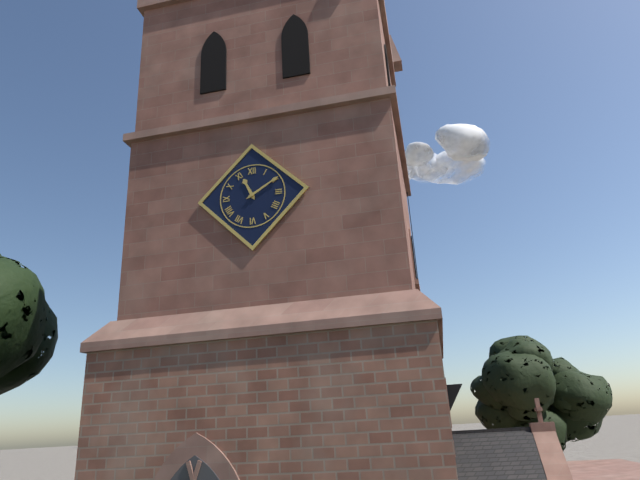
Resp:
11:10
